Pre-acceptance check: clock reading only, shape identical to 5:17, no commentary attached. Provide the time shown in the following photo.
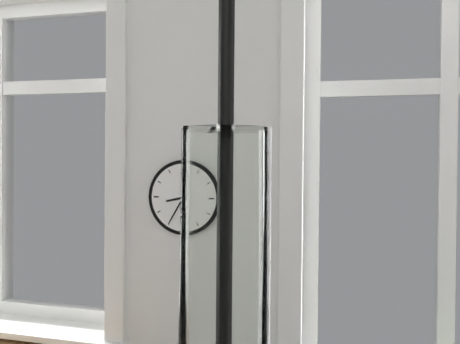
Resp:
8:35
